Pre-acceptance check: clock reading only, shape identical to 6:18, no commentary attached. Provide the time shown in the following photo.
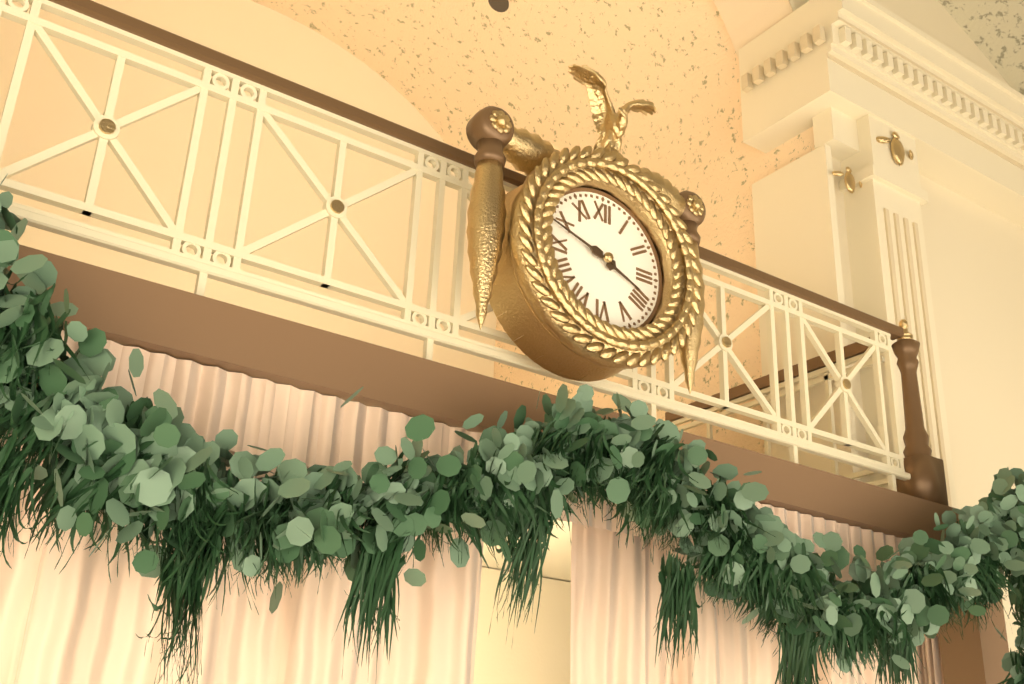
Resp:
3:48
